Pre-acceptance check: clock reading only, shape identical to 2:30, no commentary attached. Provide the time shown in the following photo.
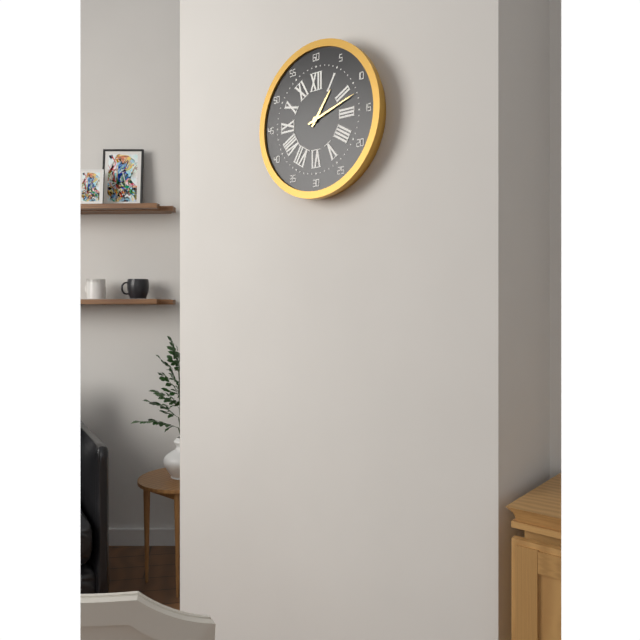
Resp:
1:12
